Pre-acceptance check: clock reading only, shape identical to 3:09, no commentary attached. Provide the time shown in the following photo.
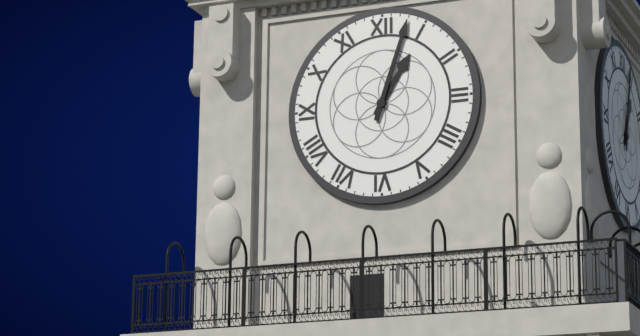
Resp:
1:03
